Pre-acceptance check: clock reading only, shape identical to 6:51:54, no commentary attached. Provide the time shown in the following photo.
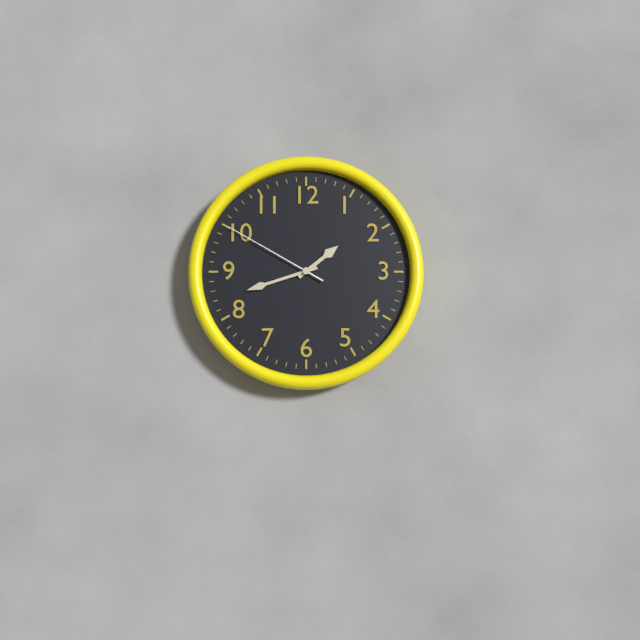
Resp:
1:42:50
